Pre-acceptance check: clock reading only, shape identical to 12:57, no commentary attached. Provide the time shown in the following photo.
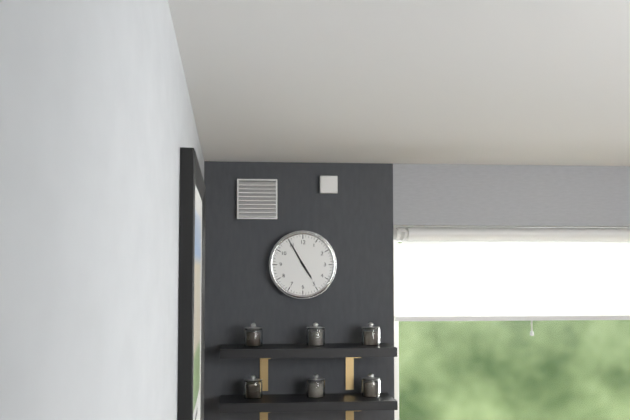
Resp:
4:55
